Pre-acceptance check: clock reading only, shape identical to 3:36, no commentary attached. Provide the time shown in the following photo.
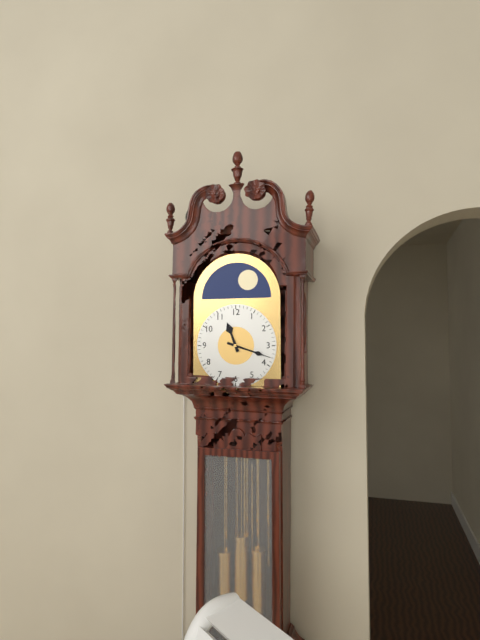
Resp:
11:18
